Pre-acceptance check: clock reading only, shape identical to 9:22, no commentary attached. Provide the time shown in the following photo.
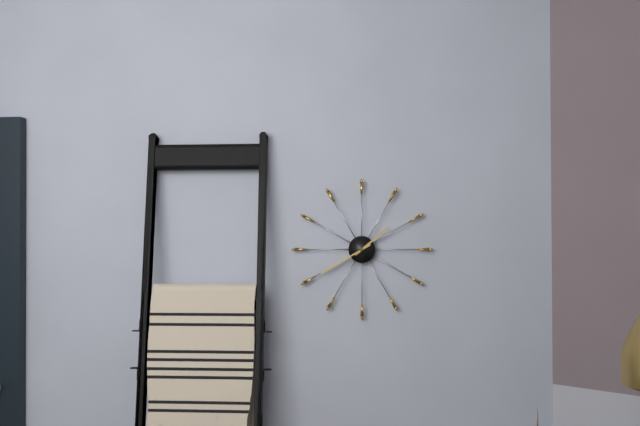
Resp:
1:40
